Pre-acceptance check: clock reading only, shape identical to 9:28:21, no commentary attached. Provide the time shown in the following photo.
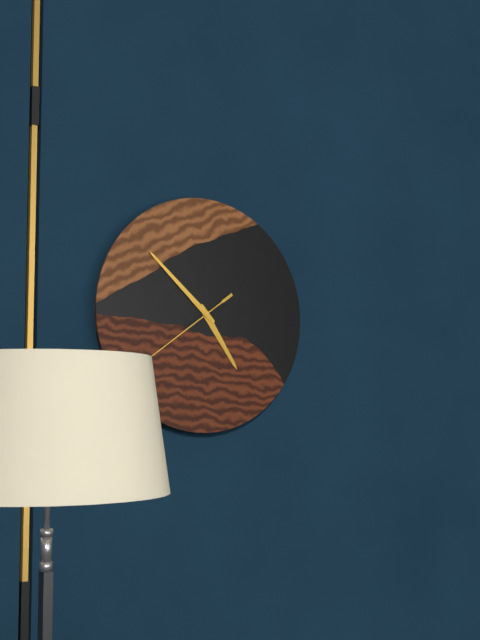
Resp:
4:52:39
